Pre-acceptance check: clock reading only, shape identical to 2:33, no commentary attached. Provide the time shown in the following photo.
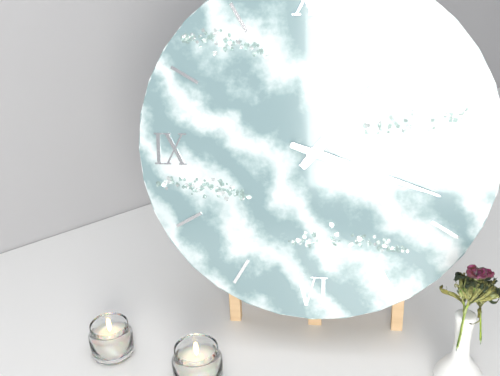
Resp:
1:18
